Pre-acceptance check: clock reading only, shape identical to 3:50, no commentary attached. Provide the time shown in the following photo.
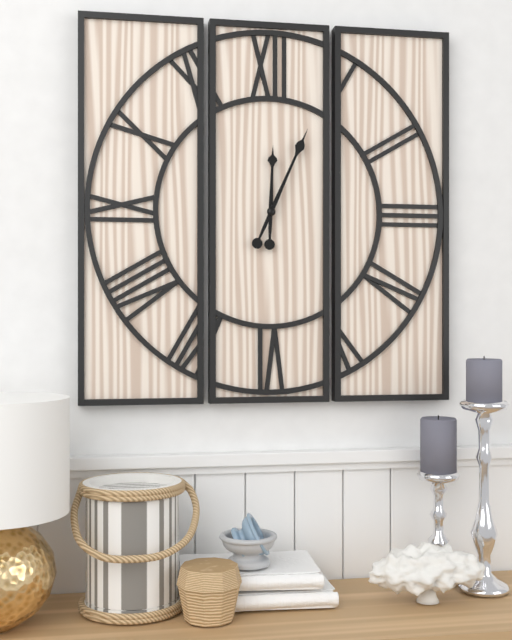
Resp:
12:04
